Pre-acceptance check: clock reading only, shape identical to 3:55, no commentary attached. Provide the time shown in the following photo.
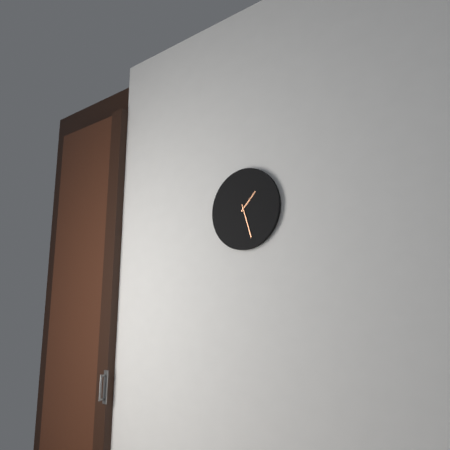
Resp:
1:27
